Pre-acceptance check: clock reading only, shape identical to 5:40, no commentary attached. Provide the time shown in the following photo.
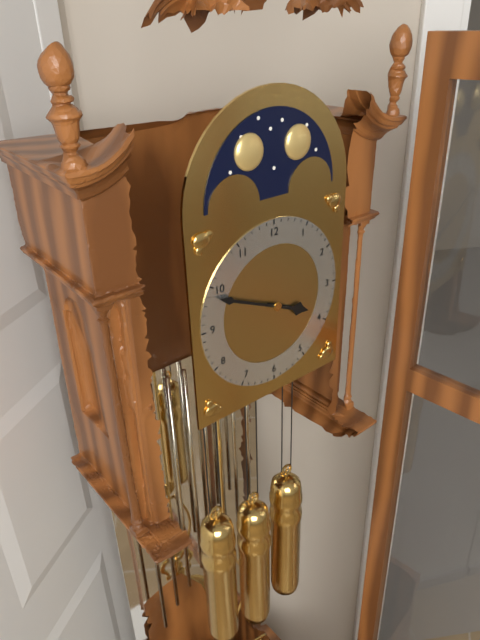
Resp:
3:49
